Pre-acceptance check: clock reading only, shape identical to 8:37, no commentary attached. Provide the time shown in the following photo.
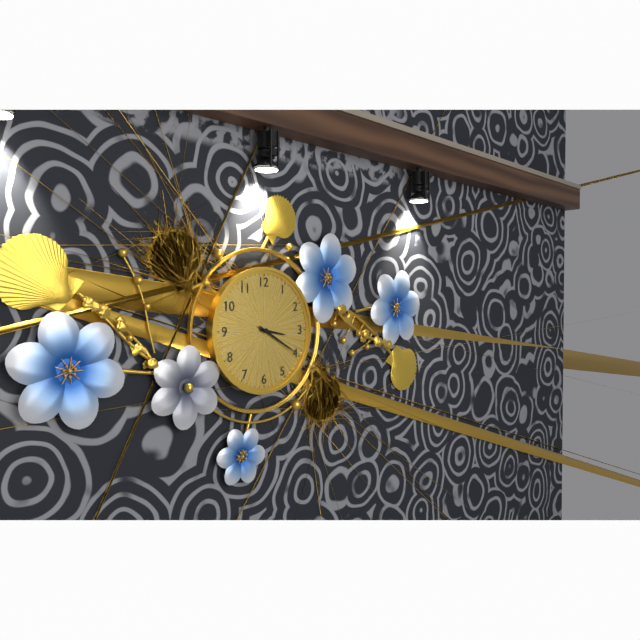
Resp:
3:20
